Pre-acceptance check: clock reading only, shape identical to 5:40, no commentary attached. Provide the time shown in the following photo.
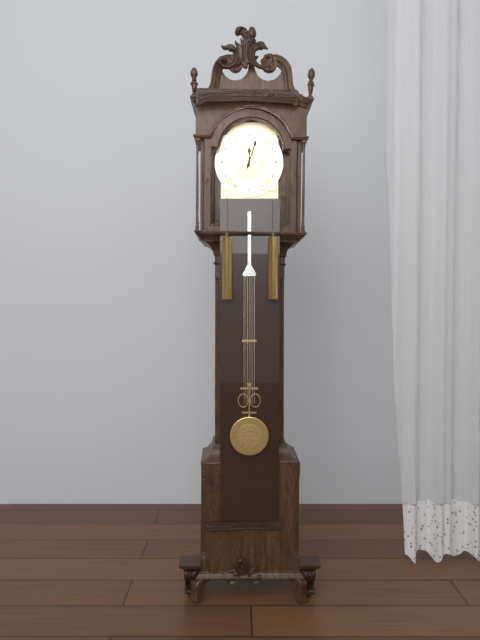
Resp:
12:03
